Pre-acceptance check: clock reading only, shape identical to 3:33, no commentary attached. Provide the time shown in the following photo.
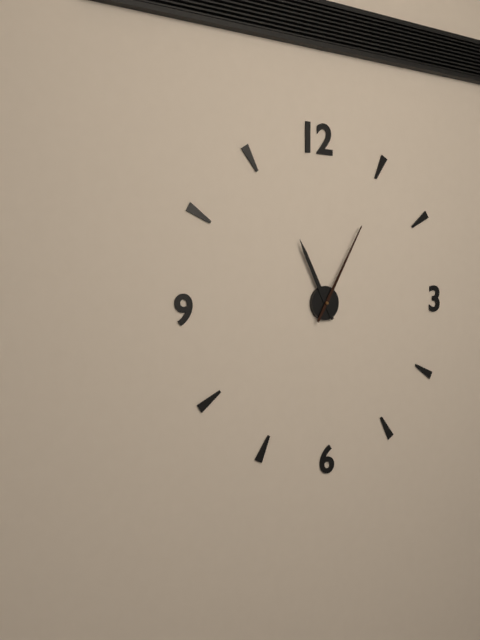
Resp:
11:05
